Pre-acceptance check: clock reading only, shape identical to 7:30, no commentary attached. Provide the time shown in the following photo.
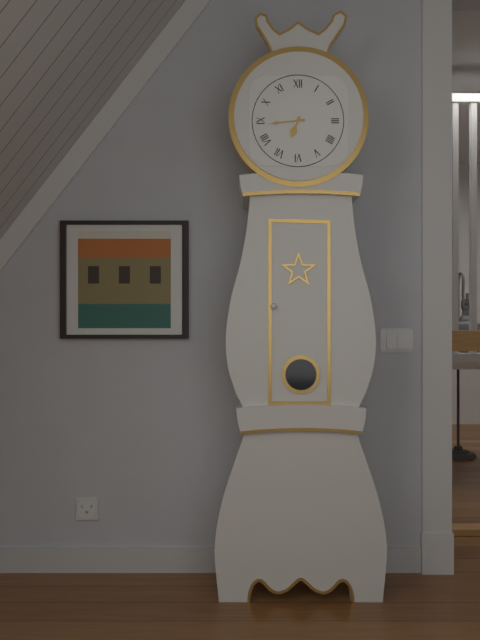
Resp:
6:44
